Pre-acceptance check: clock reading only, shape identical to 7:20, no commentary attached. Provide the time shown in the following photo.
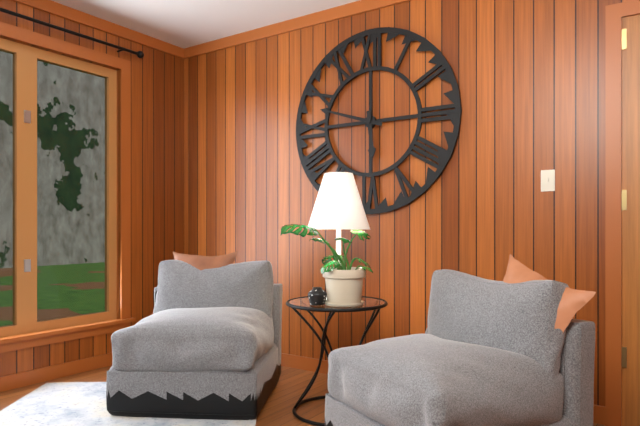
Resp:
5:48
